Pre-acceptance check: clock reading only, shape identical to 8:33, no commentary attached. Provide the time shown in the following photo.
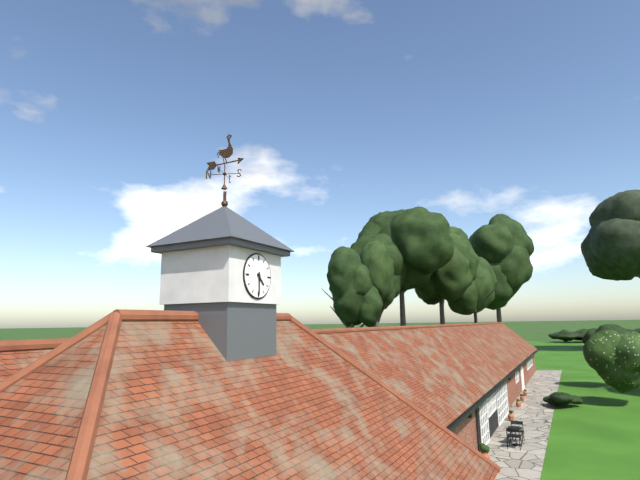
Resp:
4:30
